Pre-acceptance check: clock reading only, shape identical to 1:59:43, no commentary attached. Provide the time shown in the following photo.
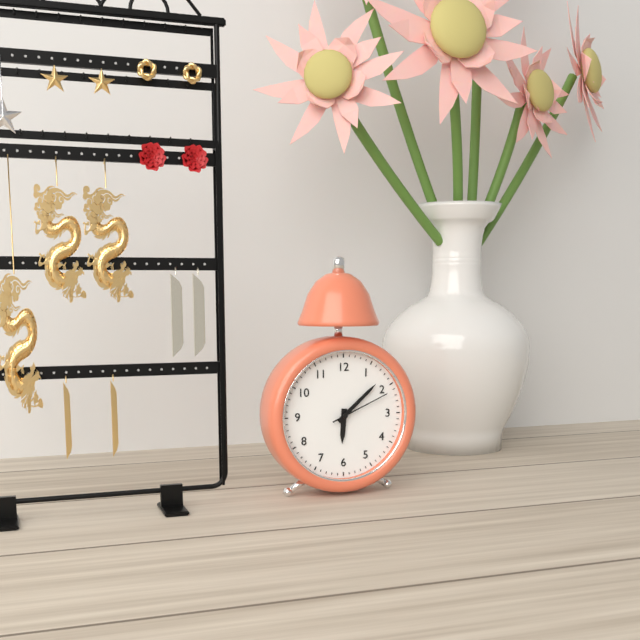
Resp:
6:08:11
